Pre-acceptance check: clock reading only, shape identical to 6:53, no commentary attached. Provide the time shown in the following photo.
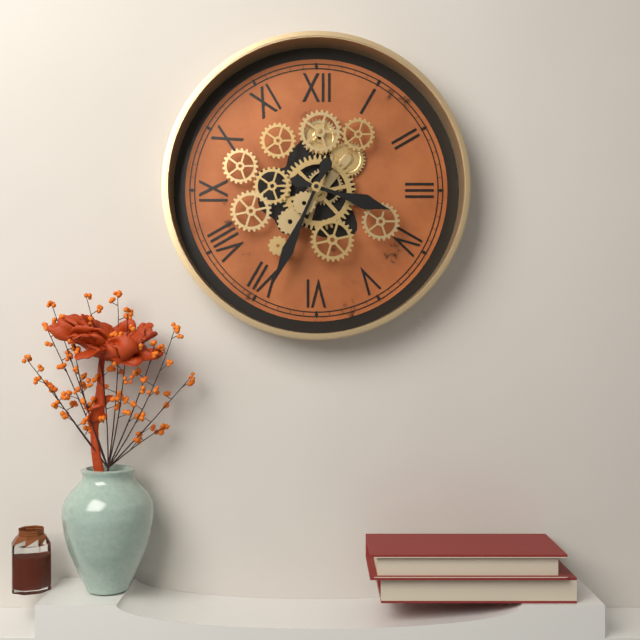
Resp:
3:34
